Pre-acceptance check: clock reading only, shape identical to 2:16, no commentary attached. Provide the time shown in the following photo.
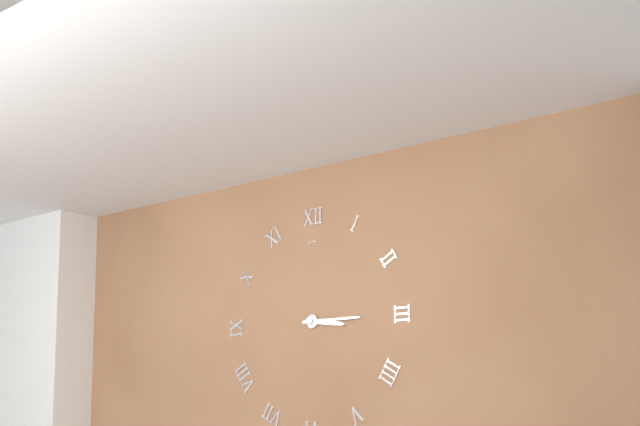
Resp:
3:15
